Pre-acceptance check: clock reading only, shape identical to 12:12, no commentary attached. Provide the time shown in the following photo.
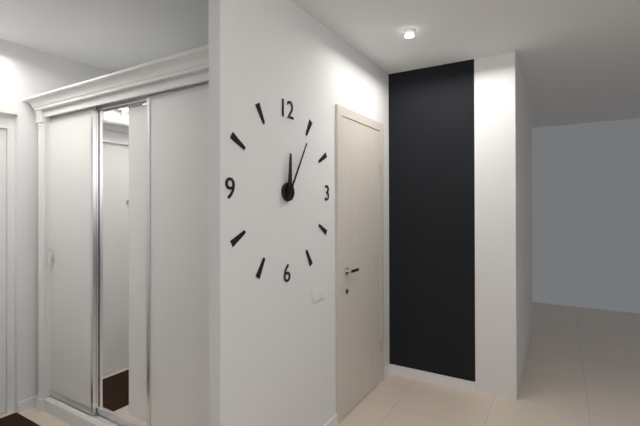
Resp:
12:05
